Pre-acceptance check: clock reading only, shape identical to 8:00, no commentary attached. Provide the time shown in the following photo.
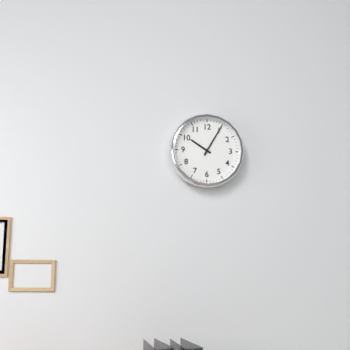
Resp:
10:05
